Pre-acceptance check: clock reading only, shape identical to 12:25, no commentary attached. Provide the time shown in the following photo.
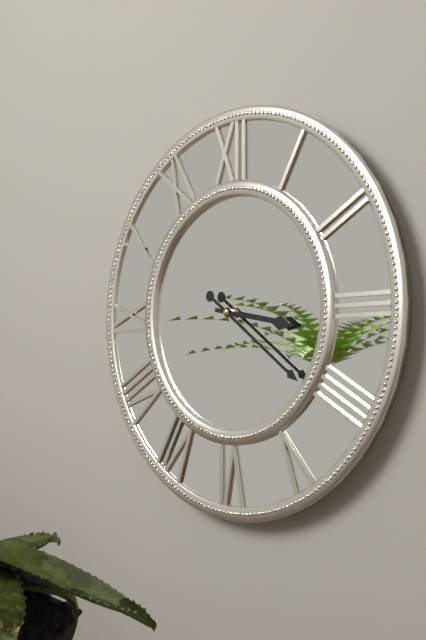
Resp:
3:21
